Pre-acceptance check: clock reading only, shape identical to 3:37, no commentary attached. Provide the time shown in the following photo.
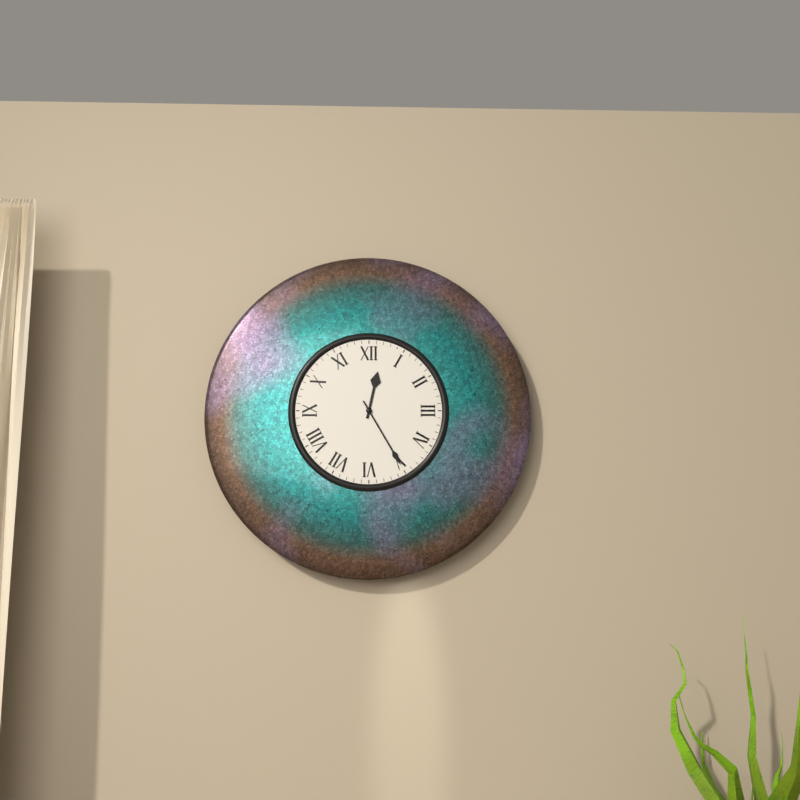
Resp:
12:25
